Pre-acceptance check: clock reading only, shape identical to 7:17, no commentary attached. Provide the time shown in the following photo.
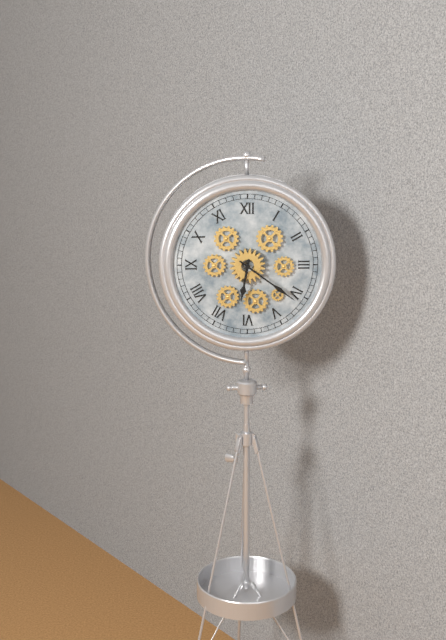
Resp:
6:21
